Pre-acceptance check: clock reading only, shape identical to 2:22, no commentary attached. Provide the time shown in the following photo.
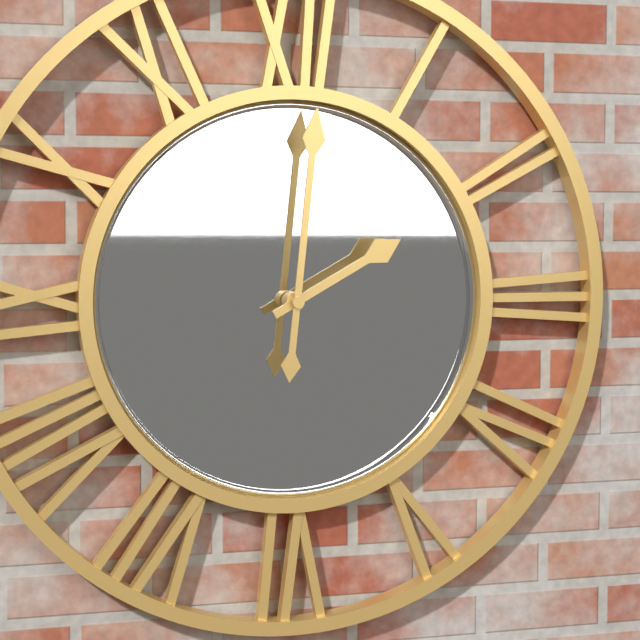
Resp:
2:01
